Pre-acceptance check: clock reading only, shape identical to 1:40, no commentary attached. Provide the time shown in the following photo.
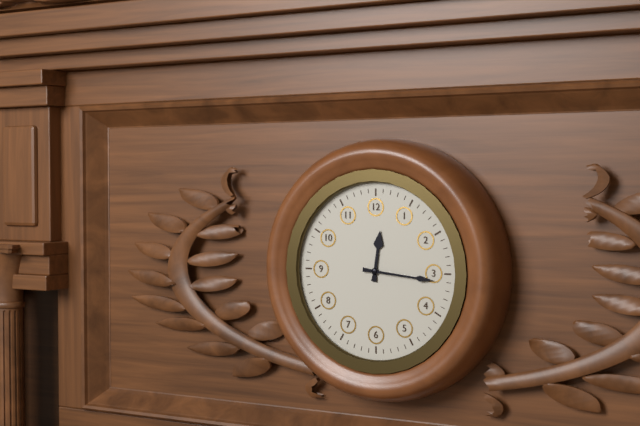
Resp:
12:16
